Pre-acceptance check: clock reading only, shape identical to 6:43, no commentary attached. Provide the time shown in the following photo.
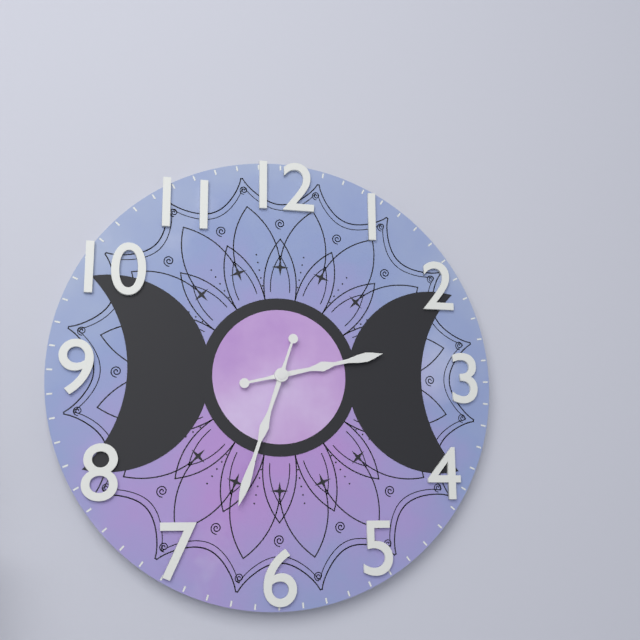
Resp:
2:33
